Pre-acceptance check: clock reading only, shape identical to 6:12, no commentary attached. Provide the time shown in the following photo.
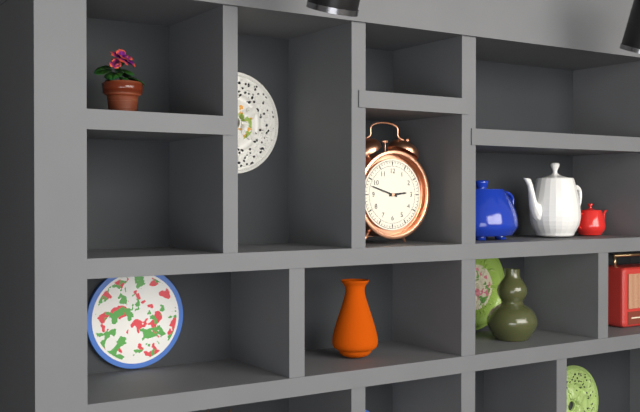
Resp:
2:48
